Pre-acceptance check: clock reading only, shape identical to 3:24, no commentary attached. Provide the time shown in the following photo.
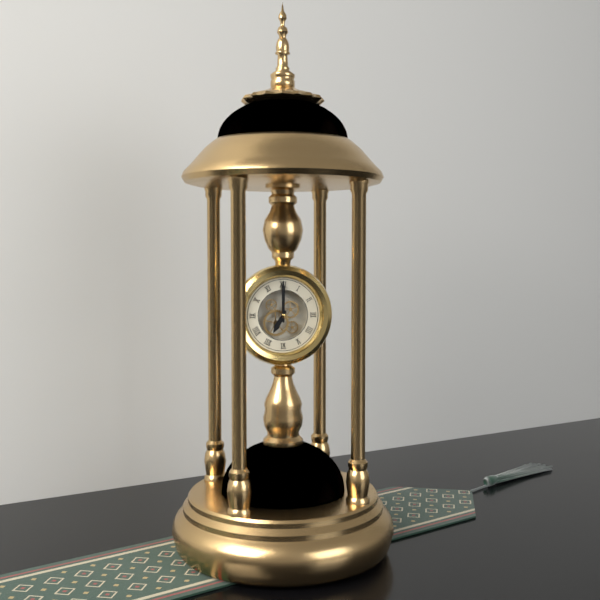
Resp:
7:00
